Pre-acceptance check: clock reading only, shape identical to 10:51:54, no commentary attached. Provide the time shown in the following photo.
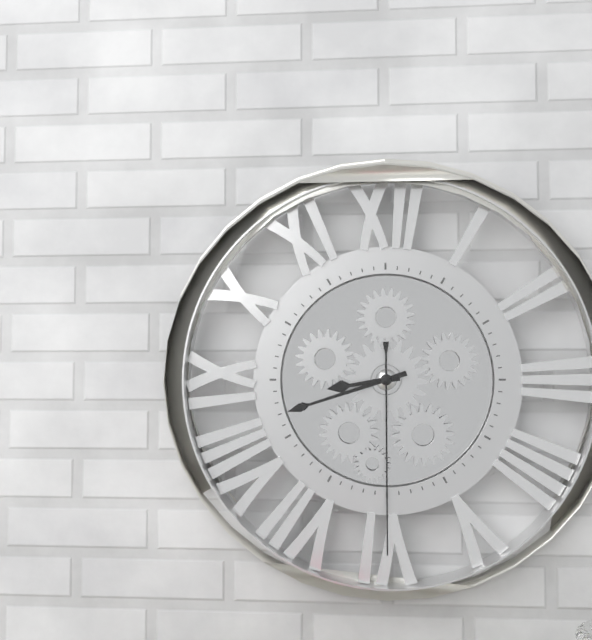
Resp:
8:42:30
